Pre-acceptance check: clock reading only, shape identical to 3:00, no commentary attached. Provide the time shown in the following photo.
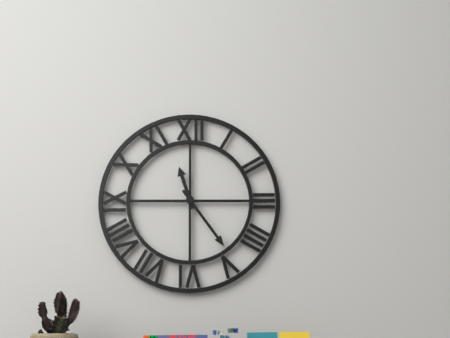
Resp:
11:24
